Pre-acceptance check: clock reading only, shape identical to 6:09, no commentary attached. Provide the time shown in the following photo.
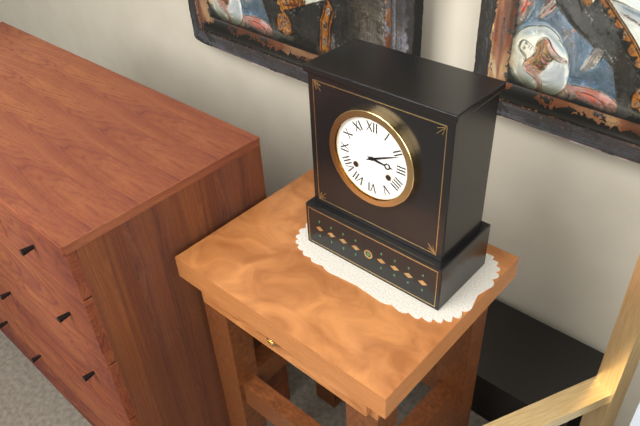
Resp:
3:11
